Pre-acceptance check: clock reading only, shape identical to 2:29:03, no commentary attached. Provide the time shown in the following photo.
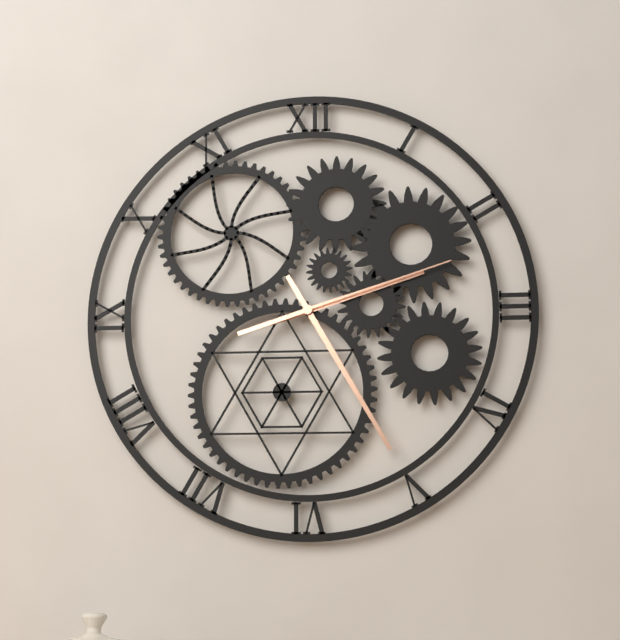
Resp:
2:25:12
